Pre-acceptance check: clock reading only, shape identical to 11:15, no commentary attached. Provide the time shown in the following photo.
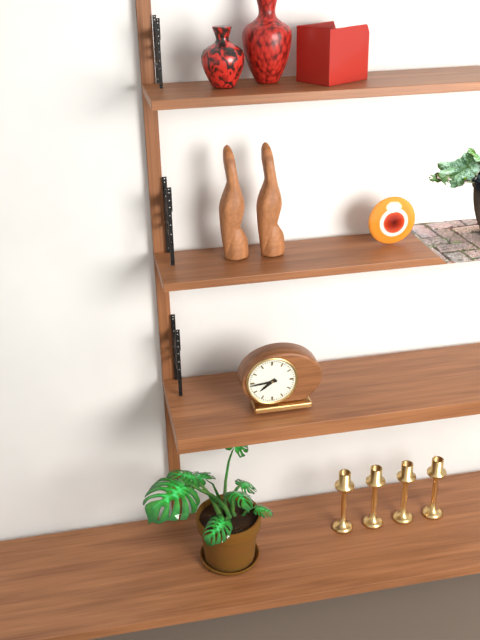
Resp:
7:44
